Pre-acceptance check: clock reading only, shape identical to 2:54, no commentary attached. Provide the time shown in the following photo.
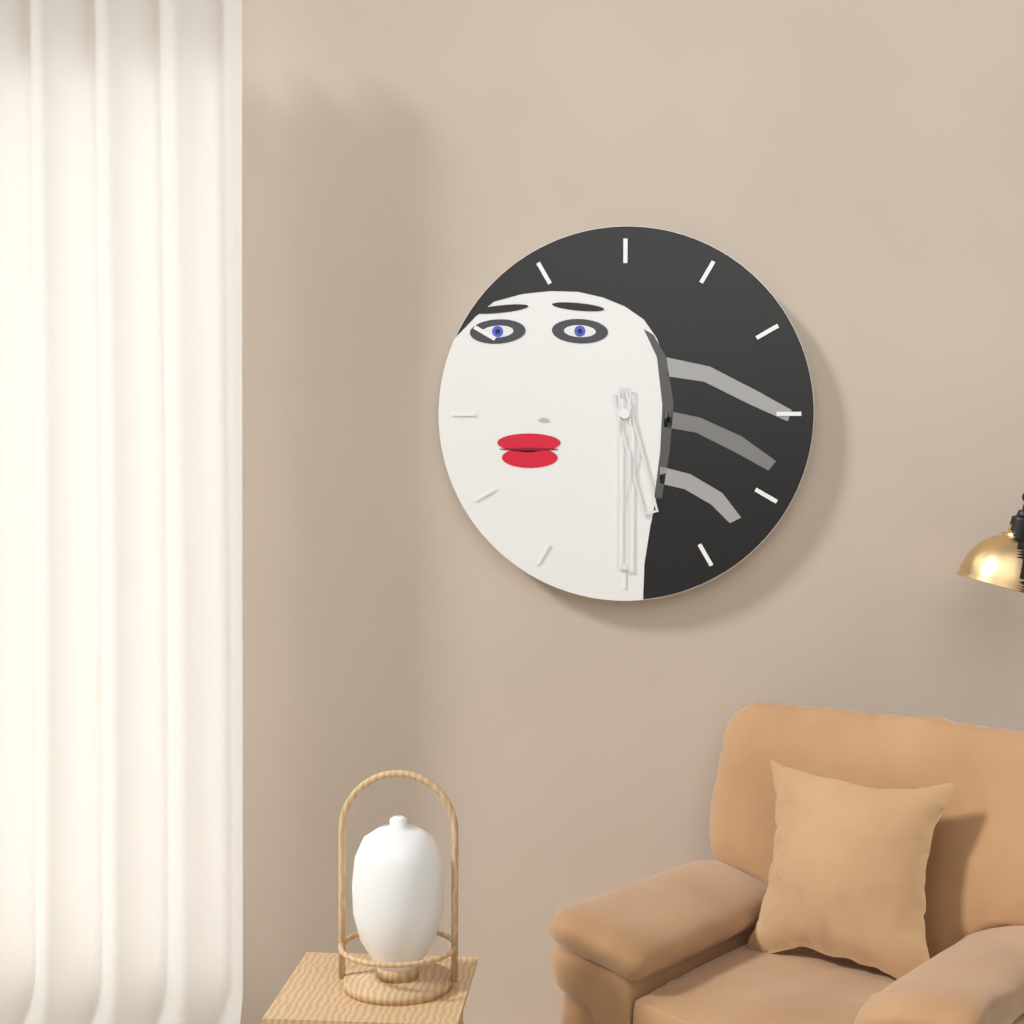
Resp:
5:30
